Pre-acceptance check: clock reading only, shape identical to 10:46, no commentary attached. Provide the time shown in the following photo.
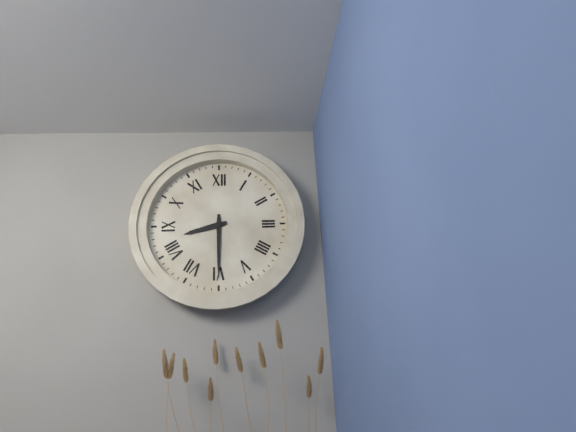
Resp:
8:30
